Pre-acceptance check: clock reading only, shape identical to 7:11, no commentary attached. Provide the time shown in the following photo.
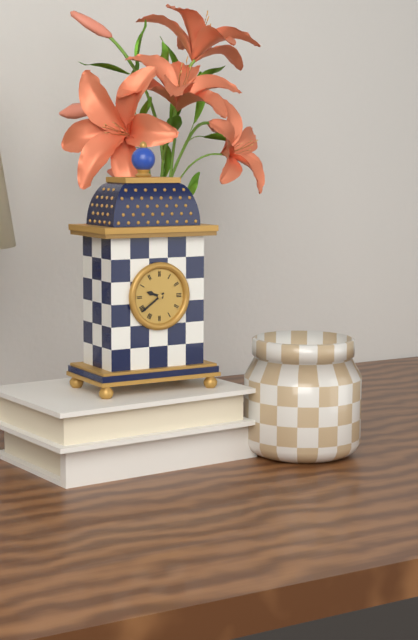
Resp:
9:39
